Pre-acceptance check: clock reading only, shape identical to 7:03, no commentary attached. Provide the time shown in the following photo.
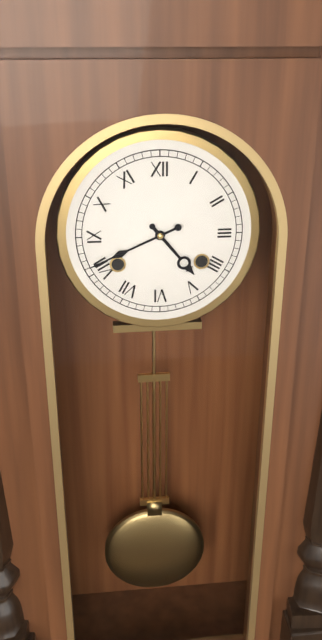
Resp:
4:41
